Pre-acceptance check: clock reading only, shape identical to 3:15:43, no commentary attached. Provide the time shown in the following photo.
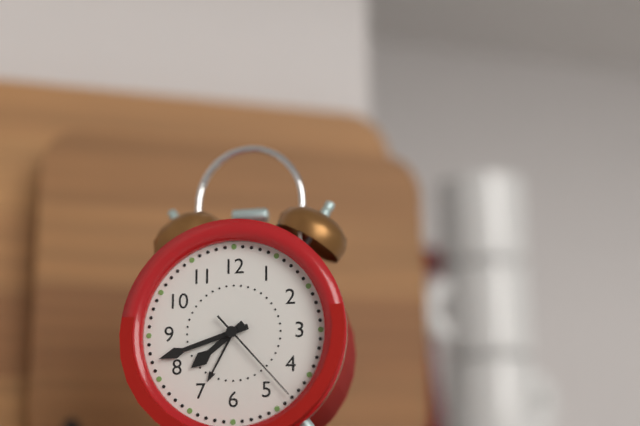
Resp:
7:42:23
